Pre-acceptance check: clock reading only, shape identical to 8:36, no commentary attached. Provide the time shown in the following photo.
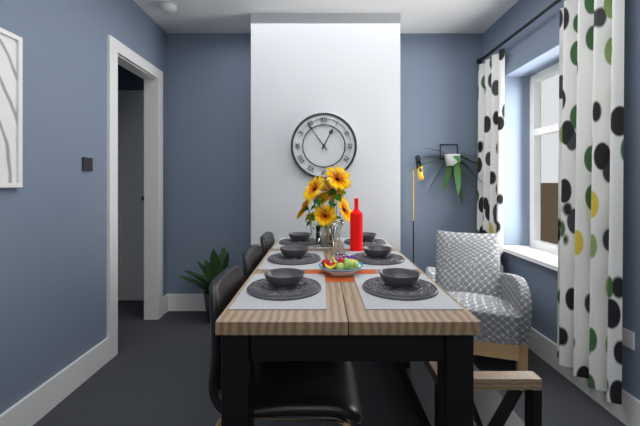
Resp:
12:54
